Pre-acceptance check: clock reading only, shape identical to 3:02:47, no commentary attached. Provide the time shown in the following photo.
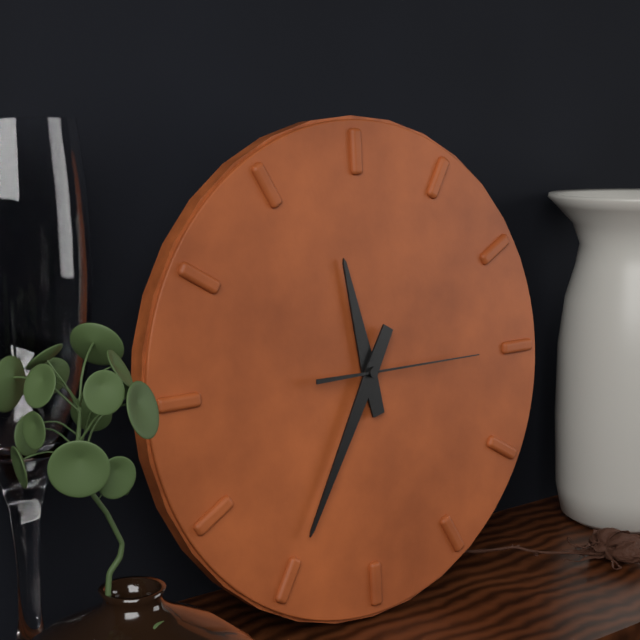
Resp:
11:35:15
